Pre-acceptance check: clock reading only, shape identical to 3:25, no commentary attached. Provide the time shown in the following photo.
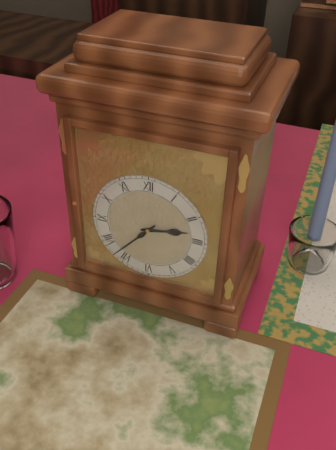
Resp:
2:37
